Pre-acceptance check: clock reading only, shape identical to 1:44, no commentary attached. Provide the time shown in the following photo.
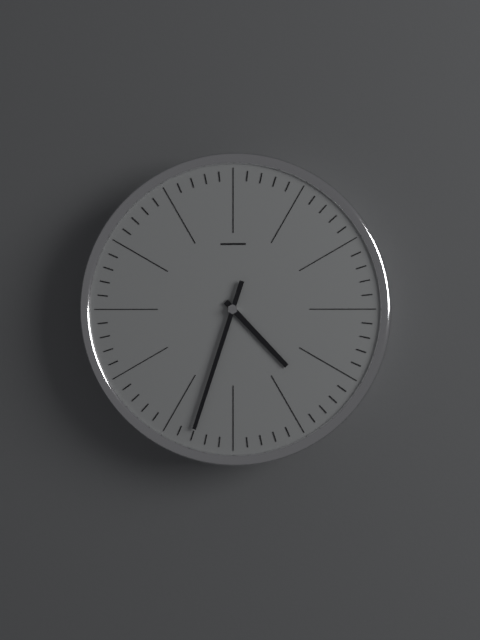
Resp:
4:33
